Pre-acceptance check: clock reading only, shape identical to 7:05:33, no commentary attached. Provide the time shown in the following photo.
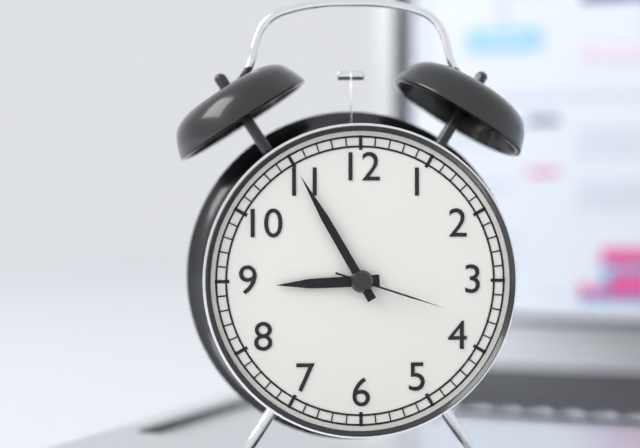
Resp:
8:55:18
